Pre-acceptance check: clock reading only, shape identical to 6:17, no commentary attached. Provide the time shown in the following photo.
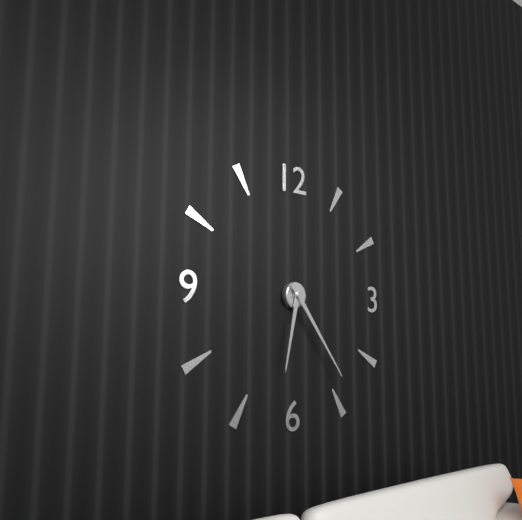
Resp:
6:24
